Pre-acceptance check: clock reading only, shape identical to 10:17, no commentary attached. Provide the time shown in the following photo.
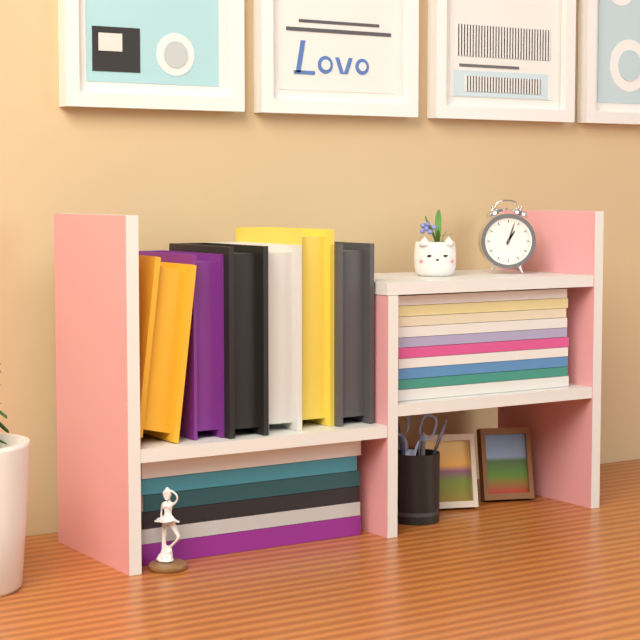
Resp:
1:03
